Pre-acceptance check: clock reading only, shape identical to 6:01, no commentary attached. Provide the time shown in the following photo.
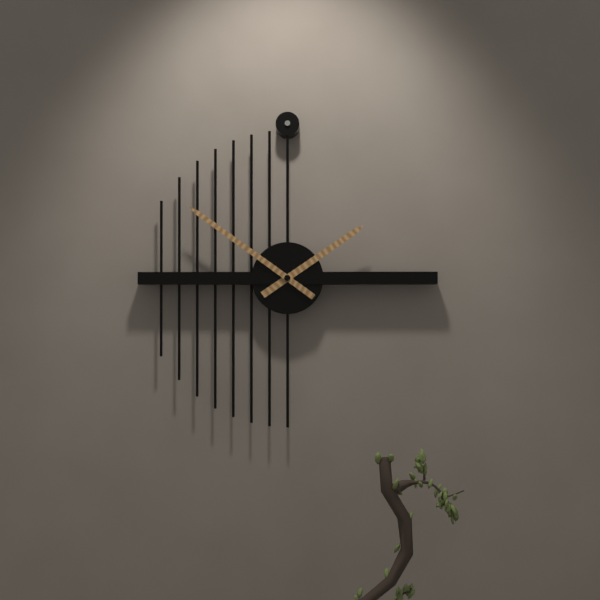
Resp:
1:51
